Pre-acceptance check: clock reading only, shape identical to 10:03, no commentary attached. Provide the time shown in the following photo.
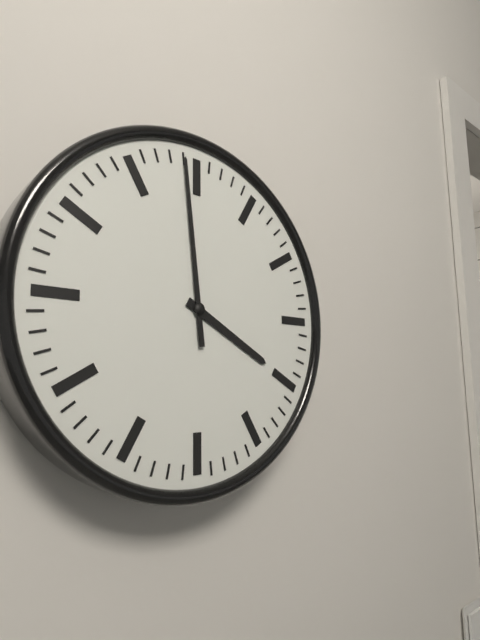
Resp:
3:59
